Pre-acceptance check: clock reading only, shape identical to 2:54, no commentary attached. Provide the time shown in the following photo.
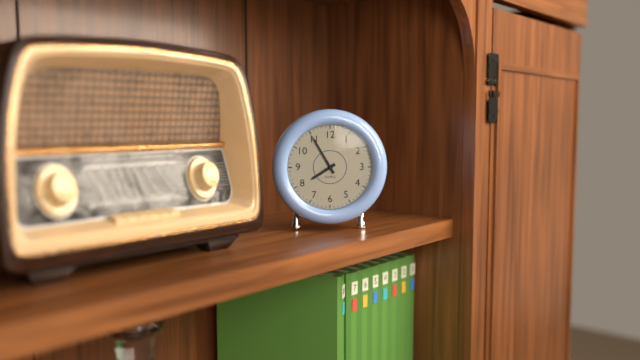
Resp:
7:55
